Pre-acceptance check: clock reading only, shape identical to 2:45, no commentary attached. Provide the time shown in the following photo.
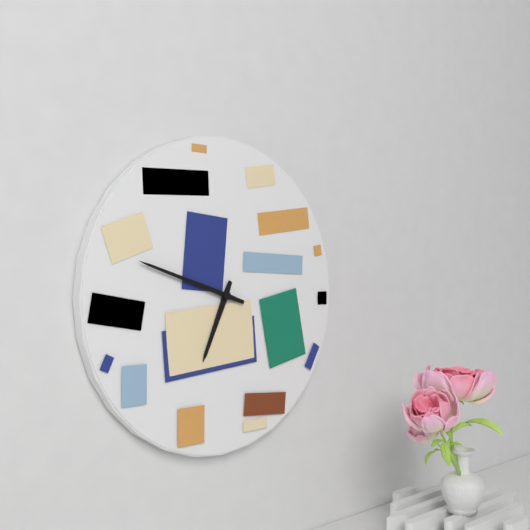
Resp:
6:48
